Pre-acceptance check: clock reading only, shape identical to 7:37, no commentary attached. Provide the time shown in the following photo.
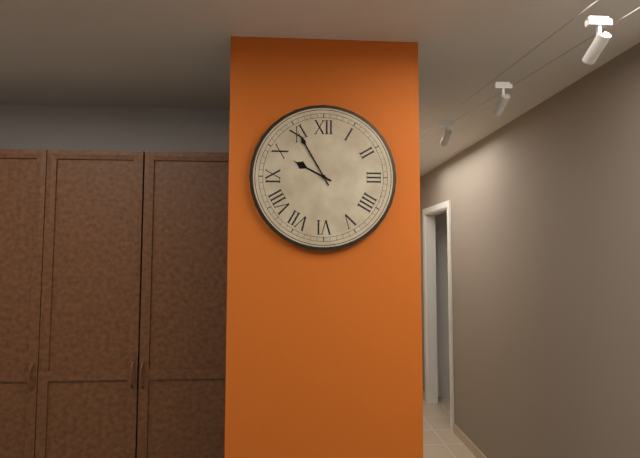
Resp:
9:55
